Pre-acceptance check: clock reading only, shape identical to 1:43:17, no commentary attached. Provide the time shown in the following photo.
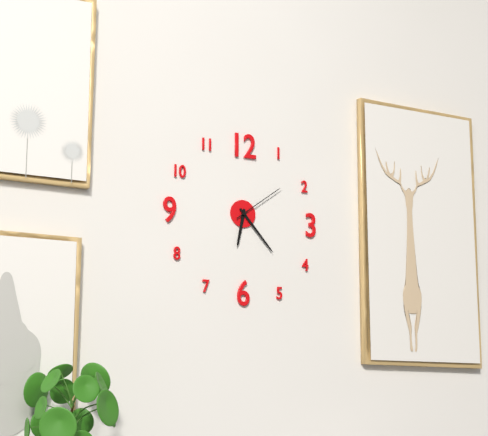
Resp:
6:23:09
